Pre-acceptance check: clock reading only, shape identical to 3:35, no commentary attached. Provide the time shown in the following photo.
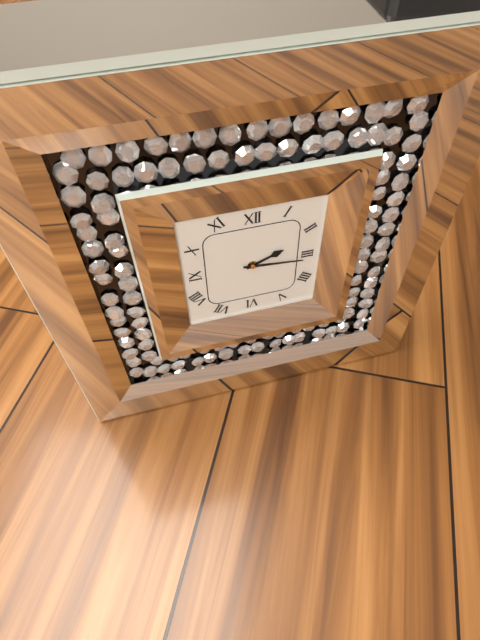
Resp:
2:16
